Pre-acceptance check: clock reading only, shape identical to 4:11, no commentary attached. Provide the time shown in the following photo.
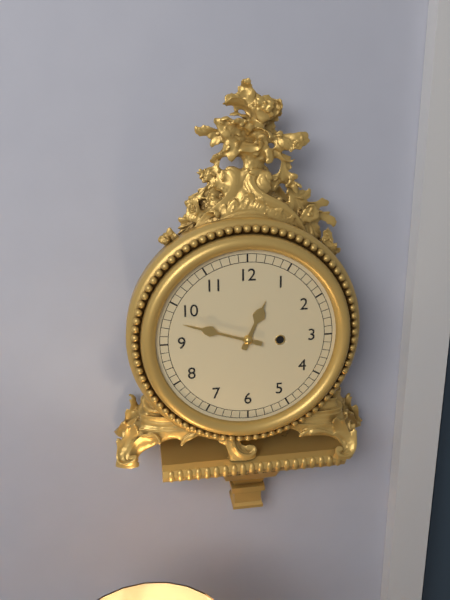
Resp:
12:48
